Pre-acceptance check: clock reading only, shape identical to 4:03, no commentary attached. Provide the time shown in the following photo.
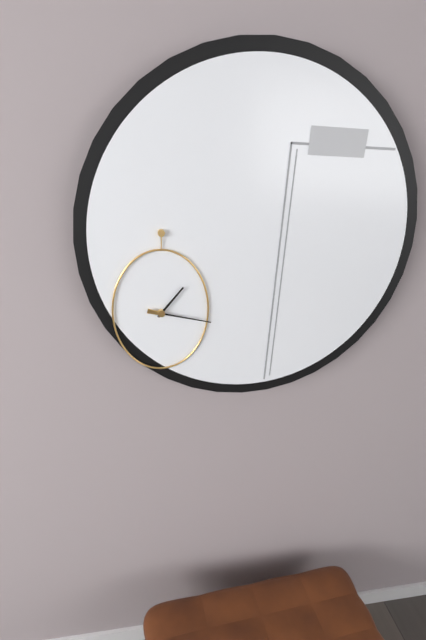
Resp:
1:17
